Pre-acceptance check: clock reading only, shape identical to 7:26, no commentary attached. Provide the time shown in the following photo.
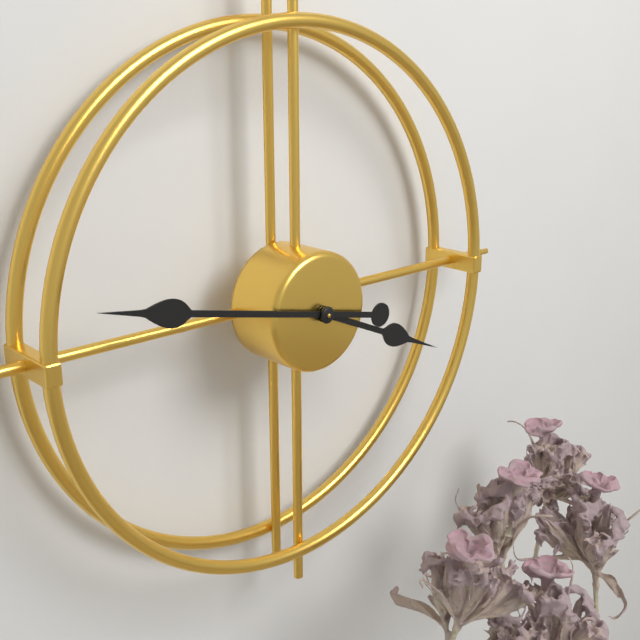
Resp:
3:47
